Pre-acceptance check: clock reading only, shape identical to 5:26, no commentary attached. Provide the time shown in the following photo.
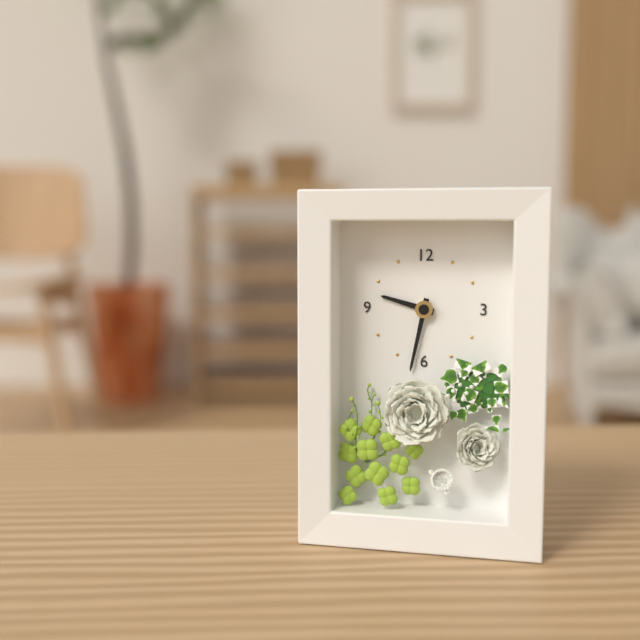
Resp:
9:32
